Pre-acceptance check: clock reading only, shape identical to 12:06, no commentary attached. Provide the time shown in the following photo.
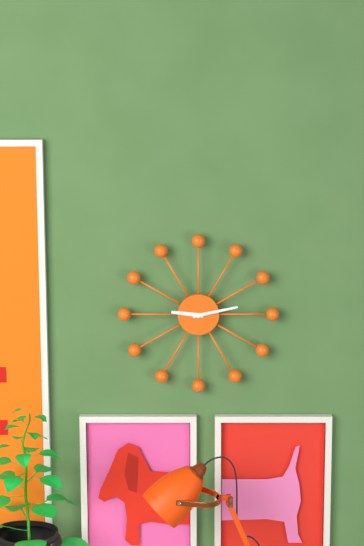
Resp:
9:13
